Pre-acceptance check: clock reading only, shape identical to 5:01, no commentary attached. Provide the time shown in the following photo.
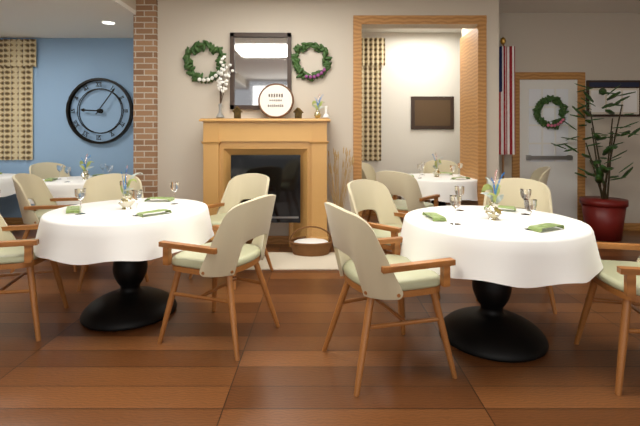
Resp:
9:06
